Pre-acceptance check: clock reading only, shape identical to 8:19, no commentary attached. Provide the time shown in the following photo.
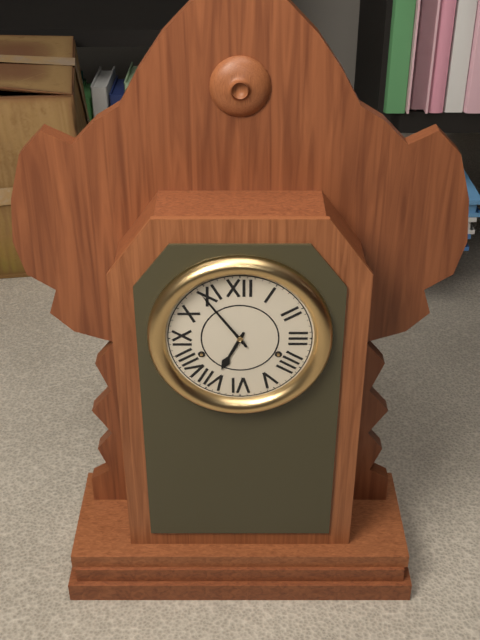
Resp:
6:54
